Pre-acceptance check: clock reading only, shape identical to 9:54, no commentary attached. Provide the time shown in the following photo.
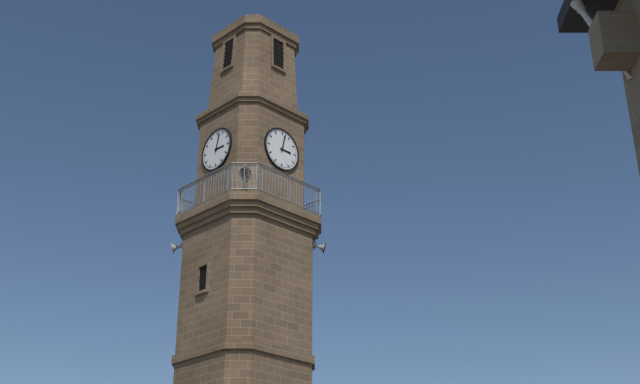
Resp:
3:02
